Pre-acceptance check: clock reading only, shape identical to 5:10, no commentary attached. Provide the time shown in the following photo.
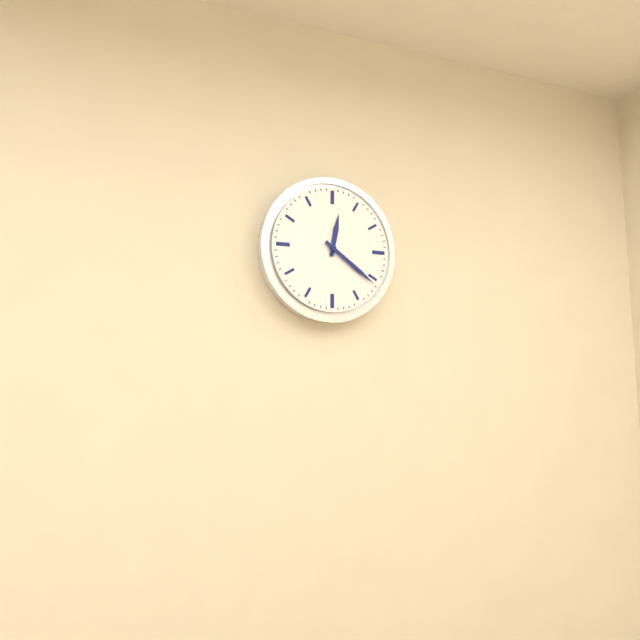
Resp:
12:21
